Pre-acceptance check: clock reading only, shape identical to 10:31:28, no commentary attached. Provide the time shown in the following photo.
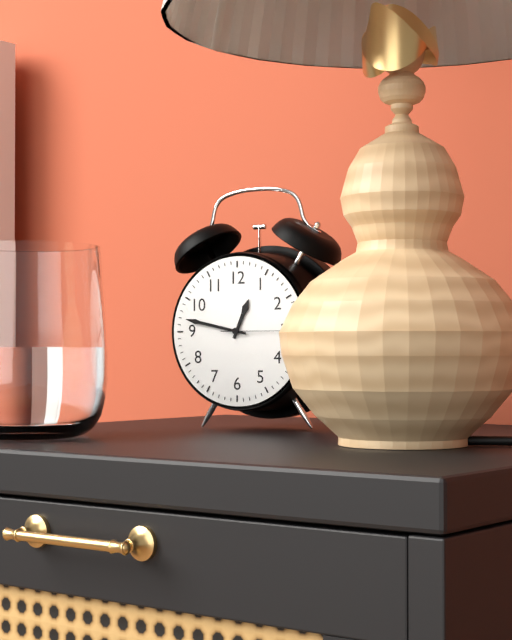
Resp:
12:47:15
